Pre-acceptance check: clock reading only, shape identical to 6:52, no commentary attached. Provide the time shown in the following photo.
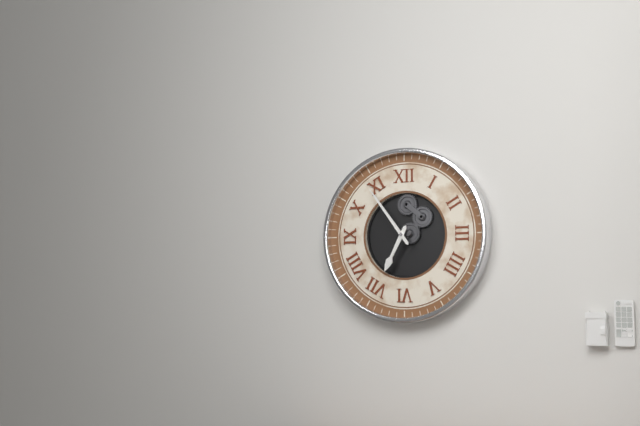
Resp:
6:54
